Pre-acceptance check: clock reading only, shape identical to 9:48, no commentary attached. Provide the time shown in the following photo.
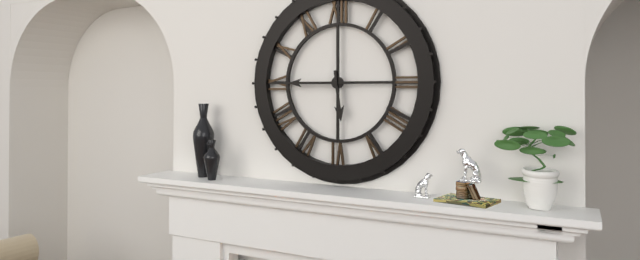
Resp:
5:45
